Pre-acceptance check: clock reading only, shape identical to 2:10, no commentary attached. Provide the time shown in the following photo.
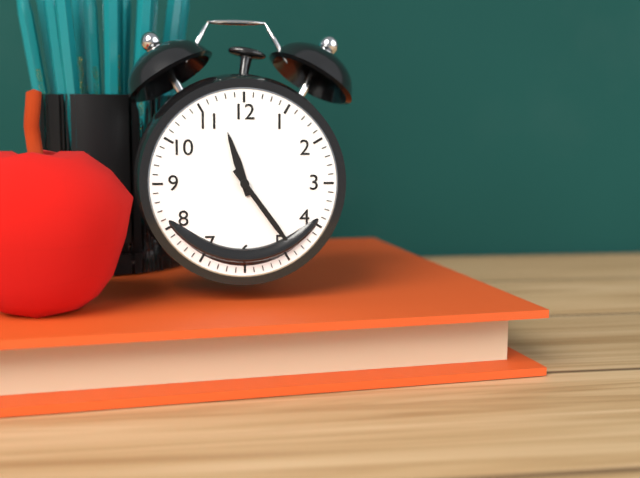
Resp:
11:24
